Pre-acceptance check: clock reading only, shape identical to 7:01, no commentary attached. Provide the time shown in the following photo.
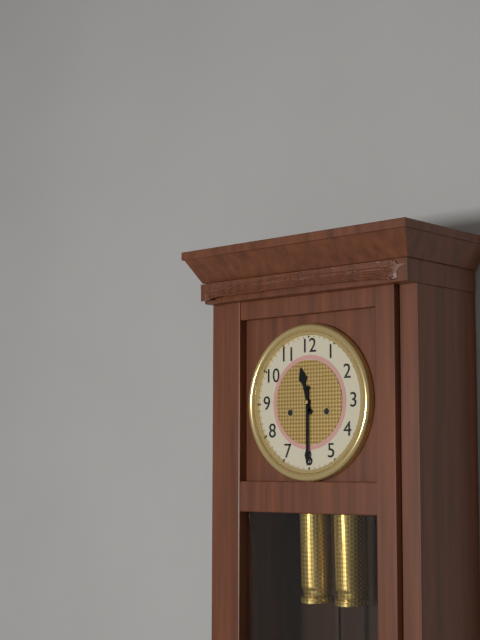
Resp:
11:30
